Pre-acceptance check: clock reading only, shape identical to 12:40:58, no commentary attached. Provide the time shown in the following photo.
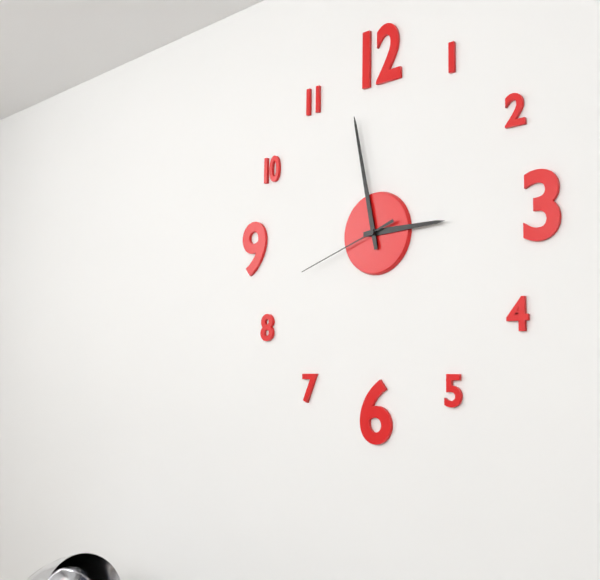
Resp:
2:58:42
